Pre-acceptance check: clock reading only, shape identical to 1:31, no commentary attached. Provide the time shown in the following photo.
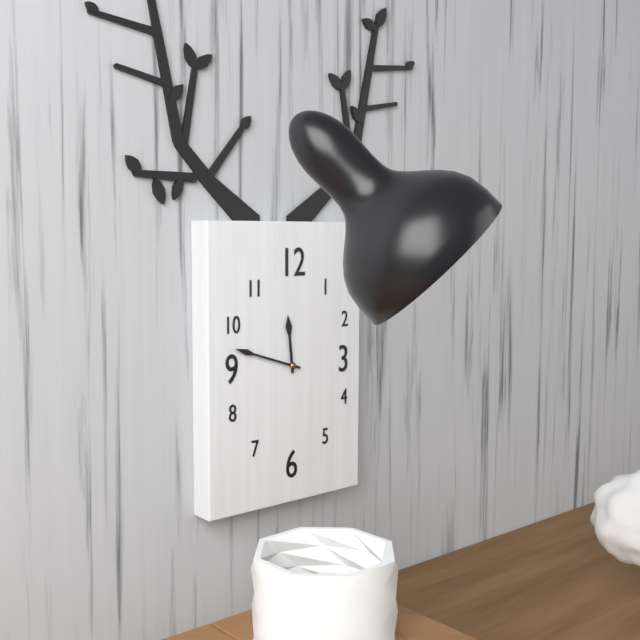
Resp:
11:48
